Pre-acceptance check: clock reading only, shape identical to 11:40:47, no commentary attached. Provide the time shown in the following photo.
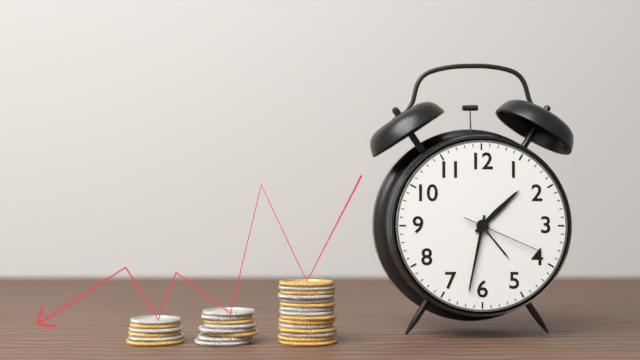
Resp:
1:32:19
